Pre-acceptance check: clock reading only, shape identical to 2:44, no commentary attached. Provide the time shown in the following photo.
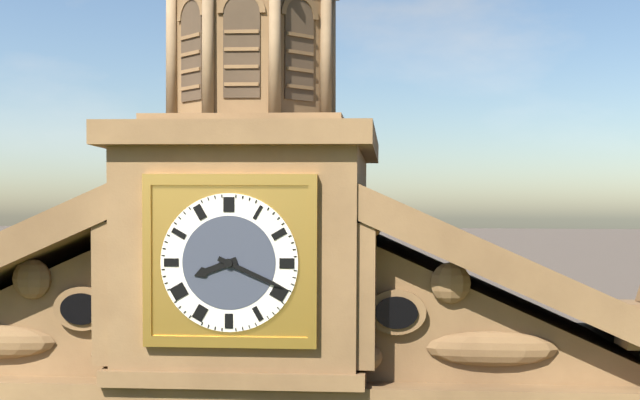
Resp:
8:19
